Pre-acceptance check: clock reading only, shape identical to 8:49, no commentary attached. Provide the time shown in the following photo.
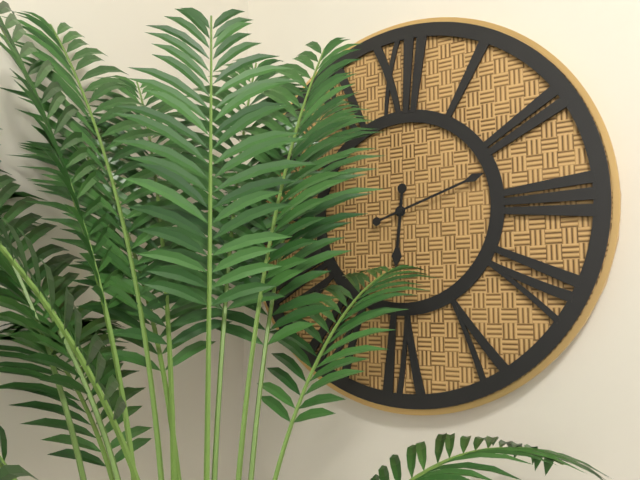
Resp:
6:12
